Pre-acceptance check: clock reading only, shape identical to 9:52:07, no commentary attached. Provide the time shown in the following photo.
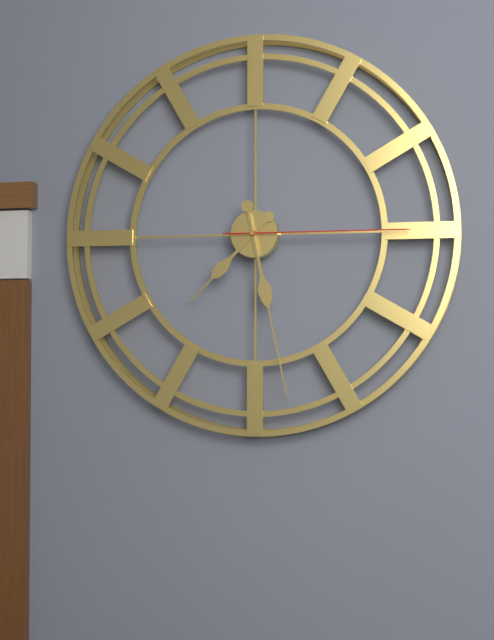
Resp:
7:28:15
